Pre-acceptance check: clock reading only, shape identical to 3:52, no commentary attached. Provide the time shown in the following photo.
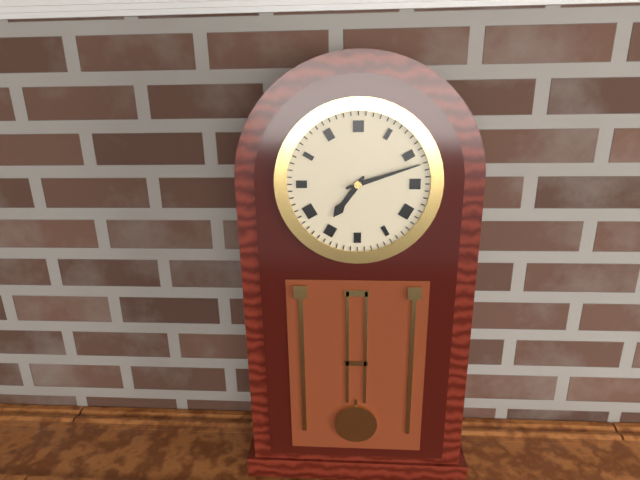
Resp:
7:12
